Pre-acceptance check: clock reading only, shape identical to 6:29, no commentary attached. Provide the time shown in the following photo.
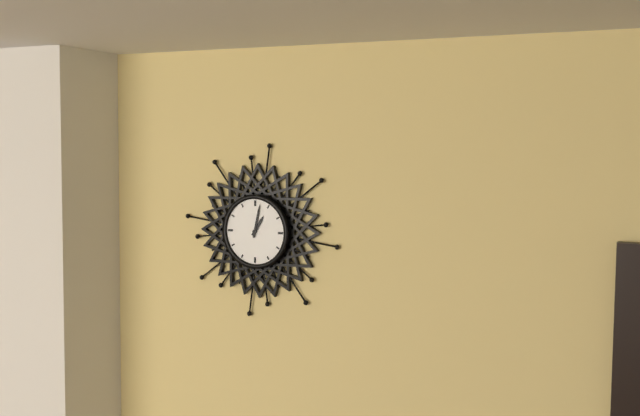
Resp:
1:02
